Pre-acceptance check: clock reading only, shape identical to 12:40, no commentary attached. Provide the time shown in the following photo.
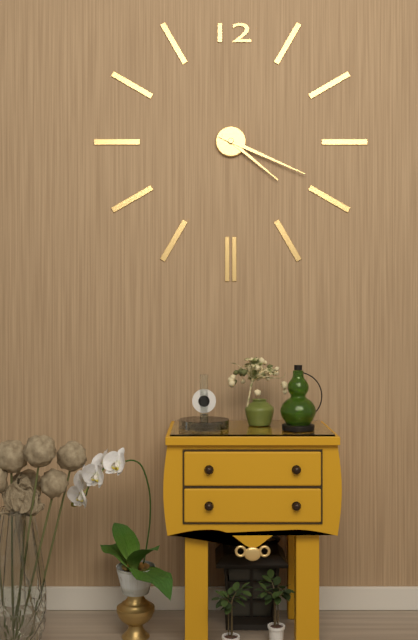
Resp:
4:19
